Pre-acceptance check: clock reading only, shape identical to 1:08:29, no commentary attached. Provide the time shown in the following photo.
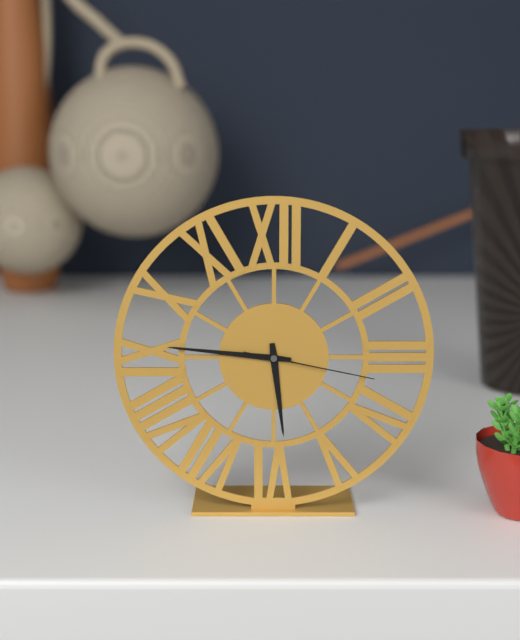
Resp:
5:46:17
